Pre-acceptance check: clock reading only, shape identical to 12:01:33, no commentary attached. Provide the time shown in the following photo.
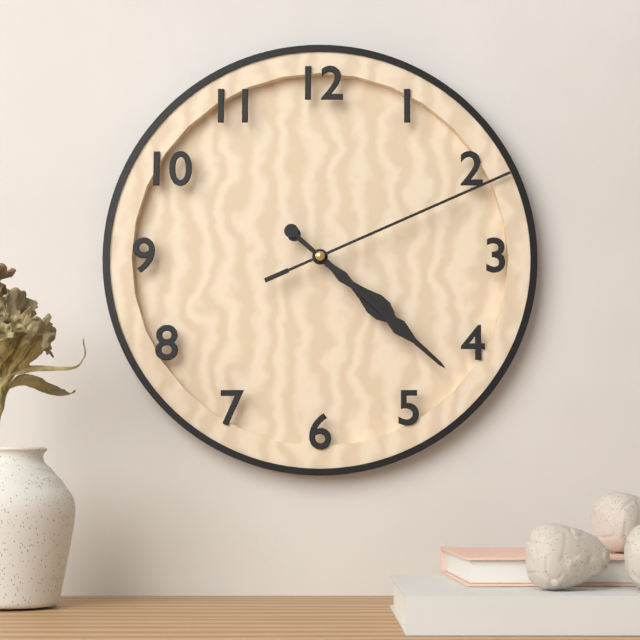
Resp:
4:22:11
